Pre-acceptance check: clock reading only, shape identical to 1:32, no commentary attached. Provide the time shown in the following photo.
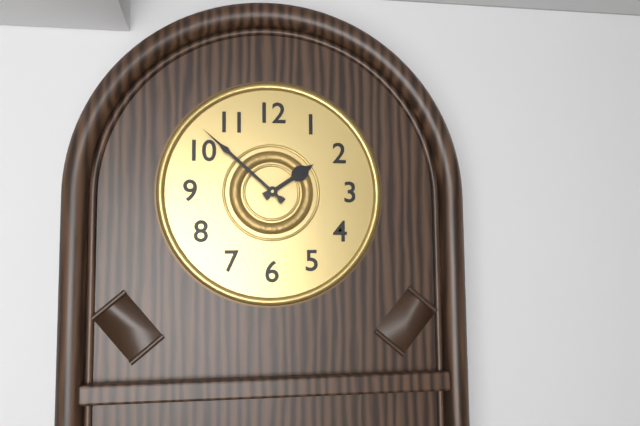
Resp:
1:52
